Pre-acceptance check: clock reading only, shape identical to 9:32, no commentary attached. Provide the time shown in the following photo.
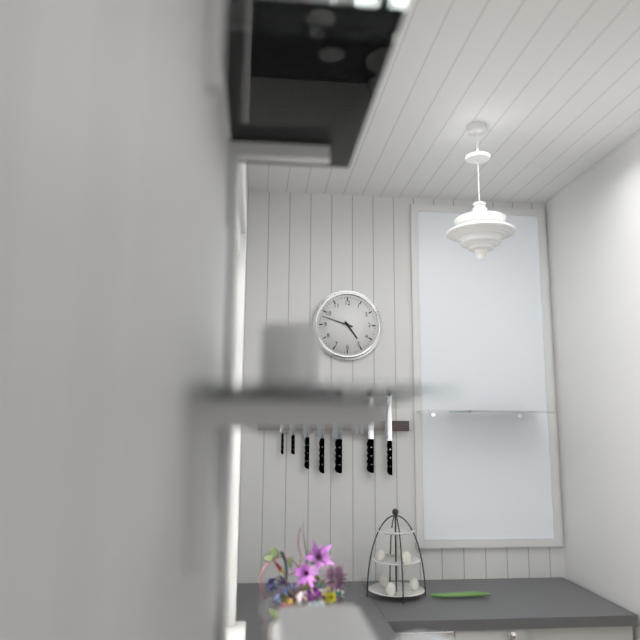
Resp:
4:48
